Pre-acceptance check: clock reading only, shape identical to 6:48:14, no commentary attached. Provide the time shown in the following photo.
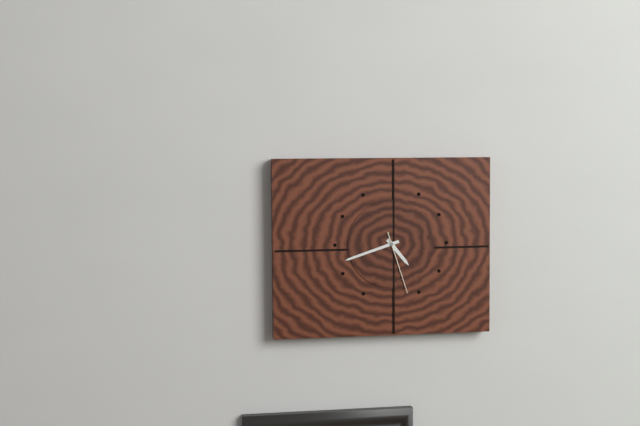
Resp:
4:42:27
